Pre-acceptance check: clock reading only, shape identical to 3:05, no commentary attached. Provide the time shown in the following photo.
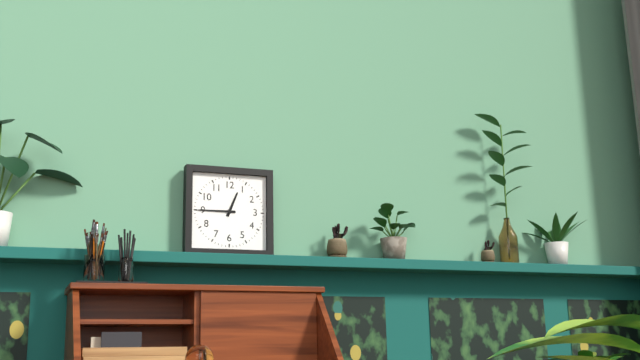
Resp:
12:45
